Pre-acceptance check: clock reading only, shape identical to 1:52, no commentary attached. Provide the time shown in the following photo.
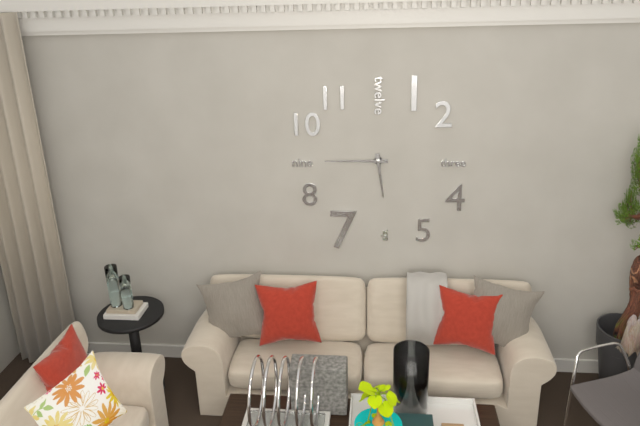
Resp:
5:45
